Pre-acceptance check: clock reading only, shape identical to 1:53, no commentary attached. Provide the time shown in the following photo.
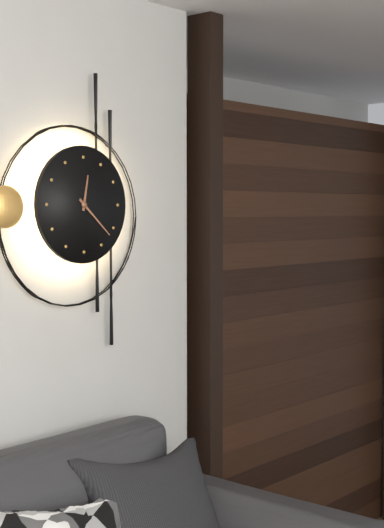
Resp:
12:22
